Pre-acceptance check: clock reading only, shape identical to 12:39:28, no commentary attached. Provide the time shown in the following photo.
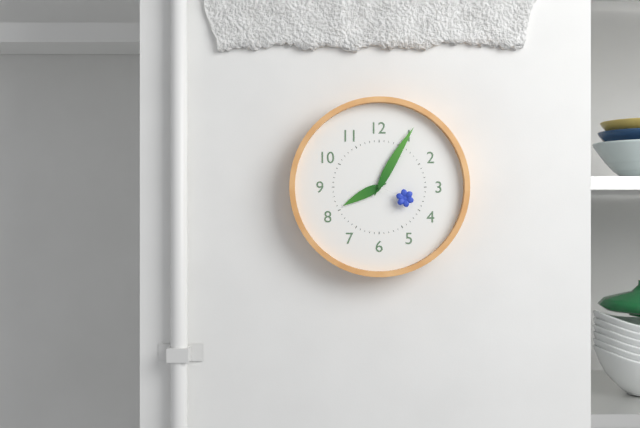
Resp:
8:05:19
